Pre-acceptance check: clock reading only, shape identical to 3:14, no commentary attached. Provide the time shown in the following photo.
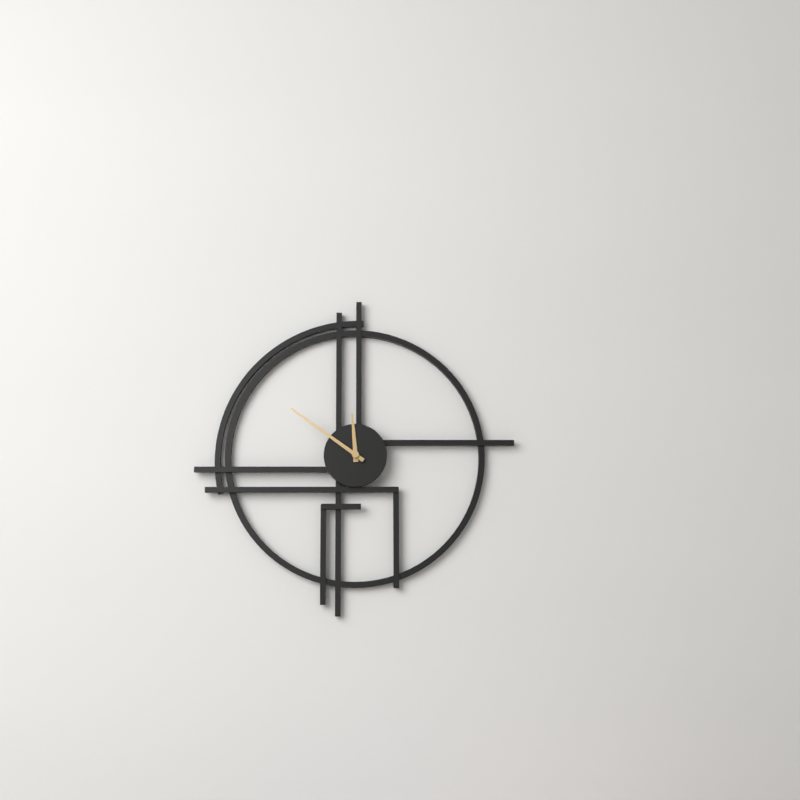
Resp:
11:51
